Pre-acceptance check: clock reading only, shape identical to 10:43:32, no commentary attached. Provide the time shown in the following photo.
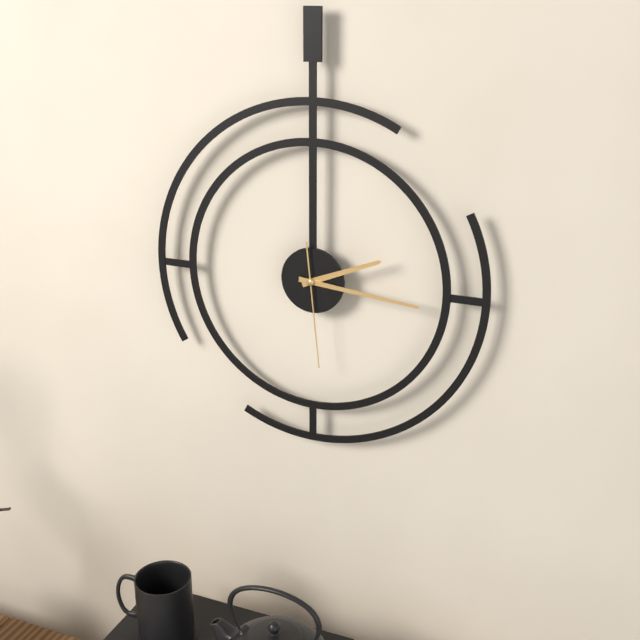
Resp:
2:16:29
